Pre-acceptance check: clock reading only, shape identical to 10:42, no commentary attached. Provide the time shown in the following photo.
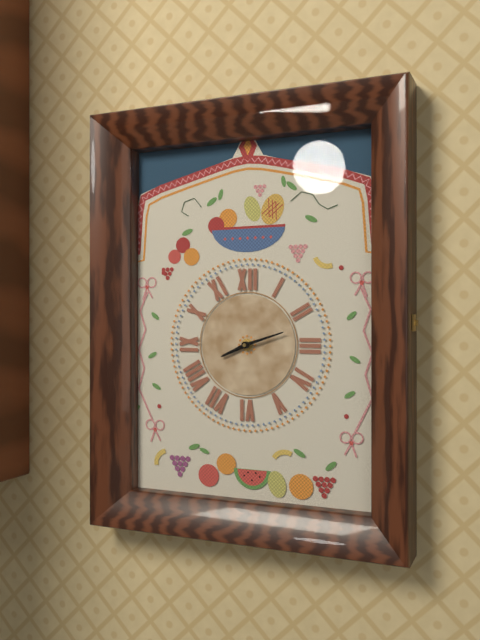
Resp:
8:12
